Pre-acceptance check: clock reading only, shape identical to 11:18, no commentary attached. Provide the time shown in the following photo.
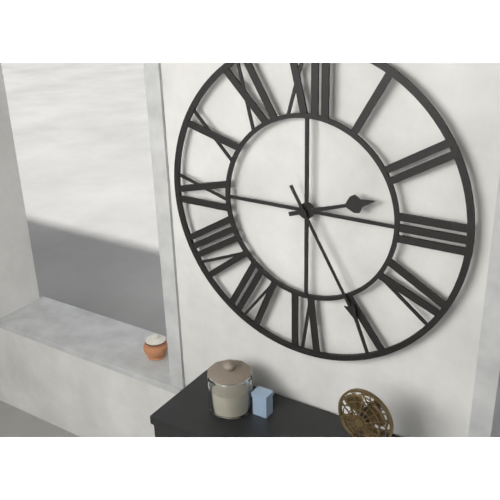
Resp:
2:25
